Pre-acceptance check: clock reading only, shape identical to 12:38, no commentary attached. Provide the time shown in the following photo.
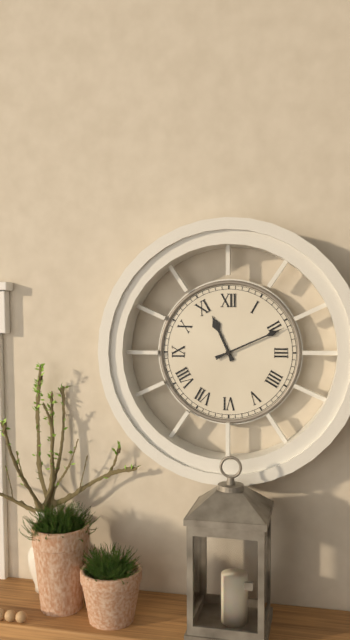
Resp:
11:11
